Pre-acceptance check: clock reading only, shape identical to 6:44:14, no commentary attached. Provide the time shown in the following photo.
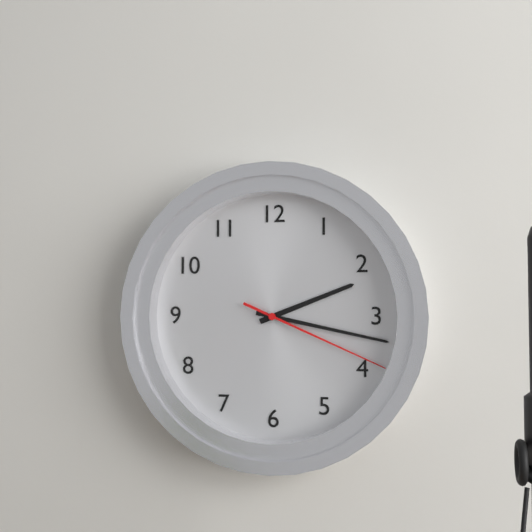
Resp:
2:17:19
